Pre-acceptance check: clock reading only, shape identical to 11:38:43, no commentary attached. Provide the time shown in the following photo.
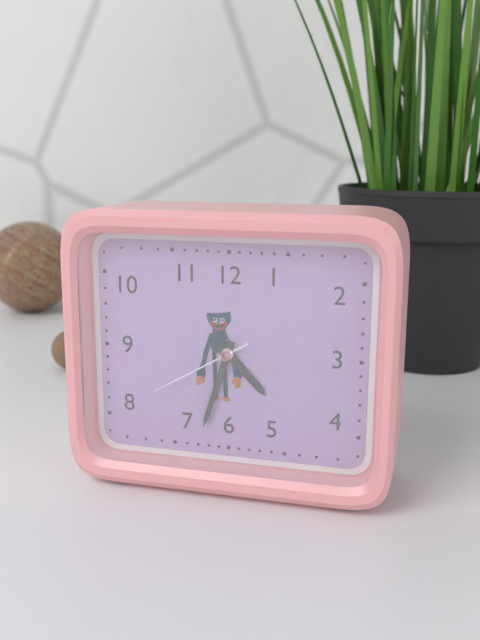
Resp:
4:33:40
